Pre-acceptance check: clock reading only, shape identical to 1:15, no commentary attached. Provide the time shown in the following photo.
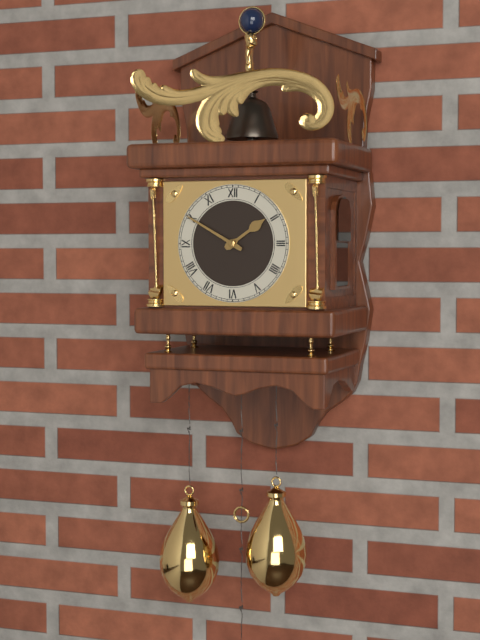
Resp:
1:50
